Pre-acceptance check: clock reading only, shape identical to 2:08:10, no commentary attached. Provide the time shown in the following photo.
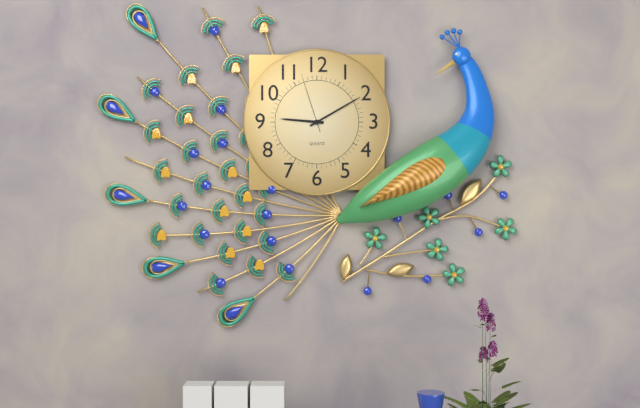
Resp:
9:10:57
